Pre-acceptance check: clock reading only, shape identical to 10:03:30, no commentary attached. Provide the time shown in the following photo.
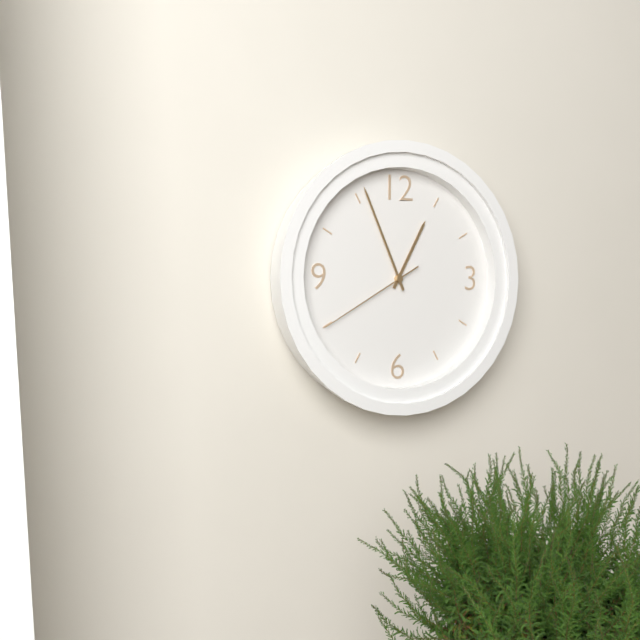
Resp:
12:56:40
